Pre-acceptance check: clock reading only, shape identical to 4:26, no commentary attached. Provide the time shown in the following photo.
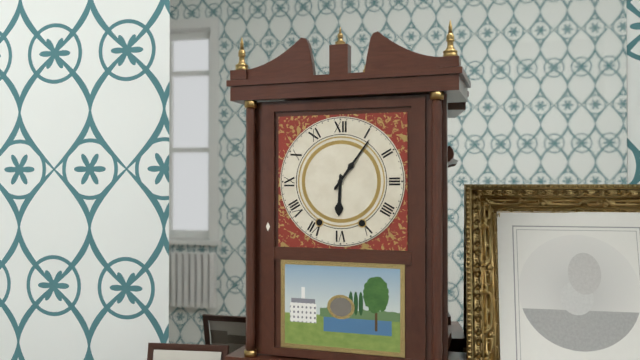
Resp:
6:06
